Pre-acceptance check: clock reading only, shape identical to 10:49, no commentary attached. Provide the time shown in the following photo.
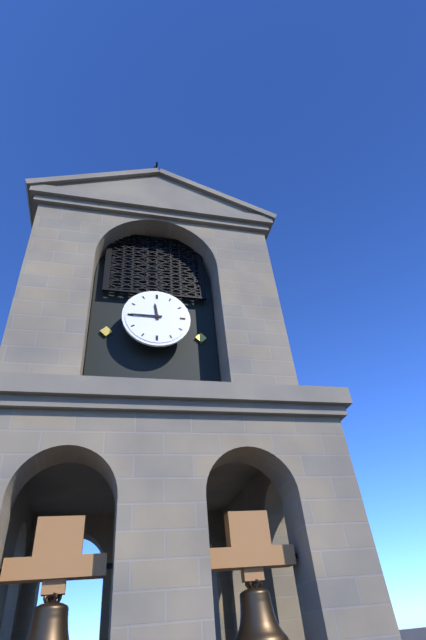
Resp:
11:45
